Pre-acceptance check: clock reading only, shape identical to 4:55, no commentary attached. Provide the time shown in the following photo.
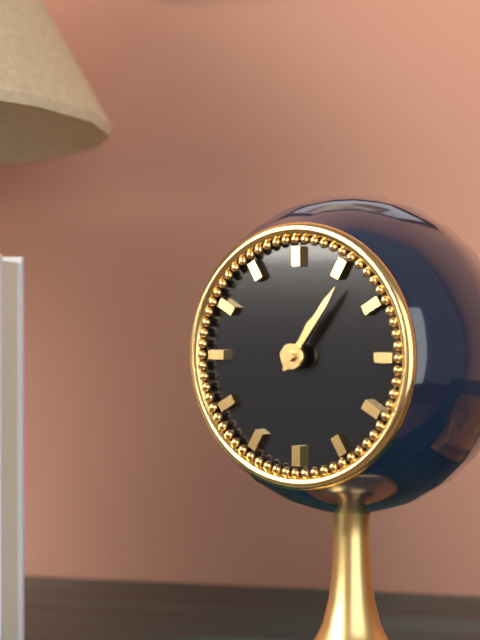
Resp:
1:06
